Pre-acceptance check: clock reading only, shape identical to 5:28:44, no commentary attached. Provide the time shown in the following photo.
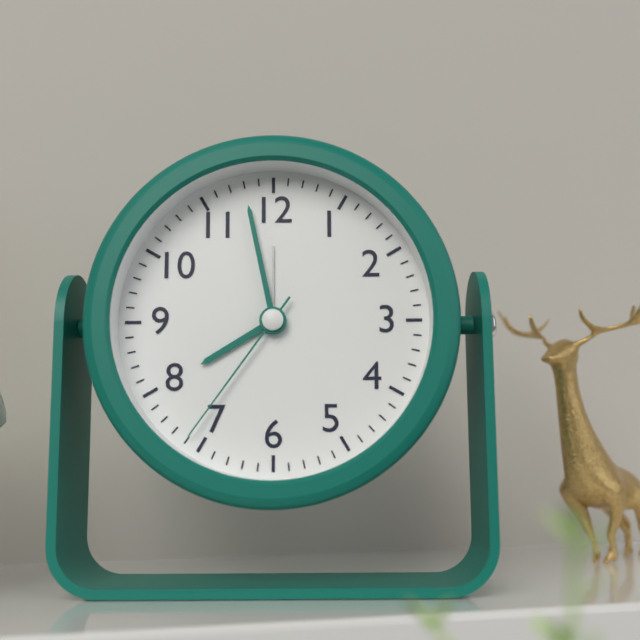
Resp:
7:58:36
